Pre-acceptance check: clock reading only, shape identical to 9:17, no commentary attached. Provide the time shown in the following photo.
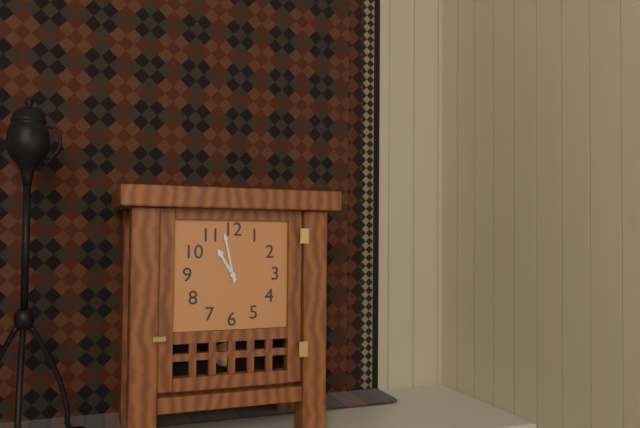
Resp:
10:58
